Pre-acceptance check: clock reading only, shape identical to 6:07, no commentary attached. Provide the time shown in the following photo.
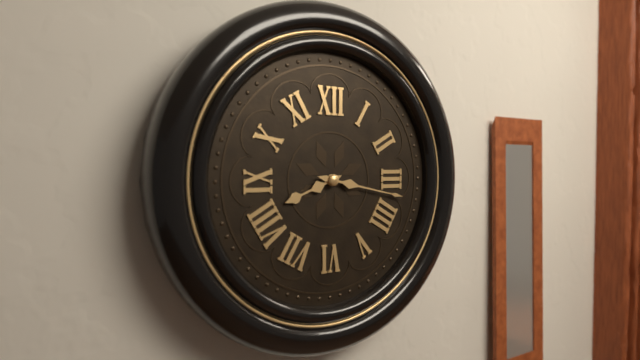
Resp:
8:17
